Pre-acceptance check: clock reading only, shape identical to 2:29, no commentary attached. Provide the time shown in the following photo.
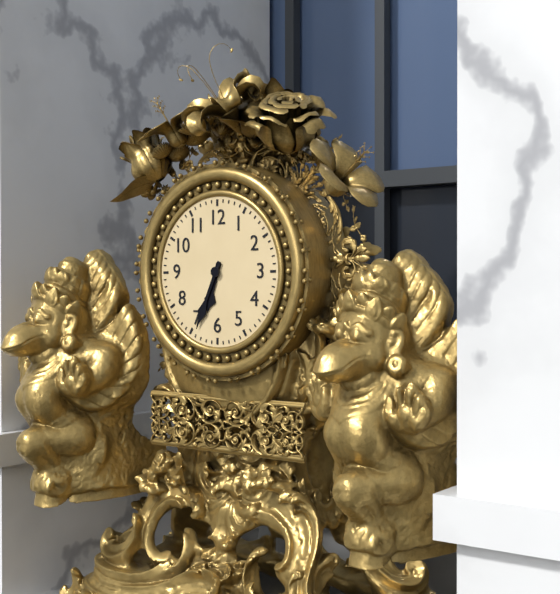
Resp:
6:34
